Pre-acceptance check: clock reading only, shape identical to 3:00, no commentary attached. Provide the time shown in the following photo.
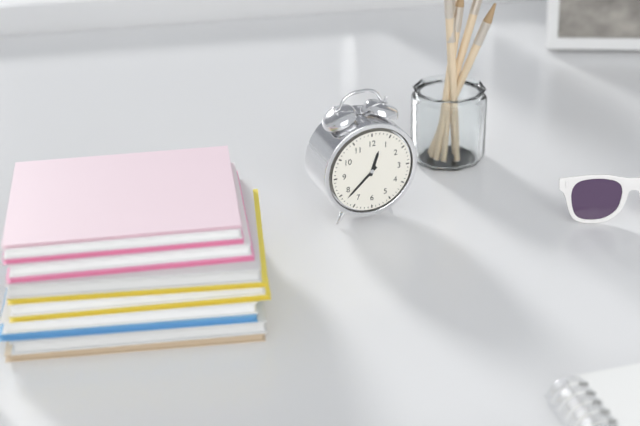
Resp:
12:38
